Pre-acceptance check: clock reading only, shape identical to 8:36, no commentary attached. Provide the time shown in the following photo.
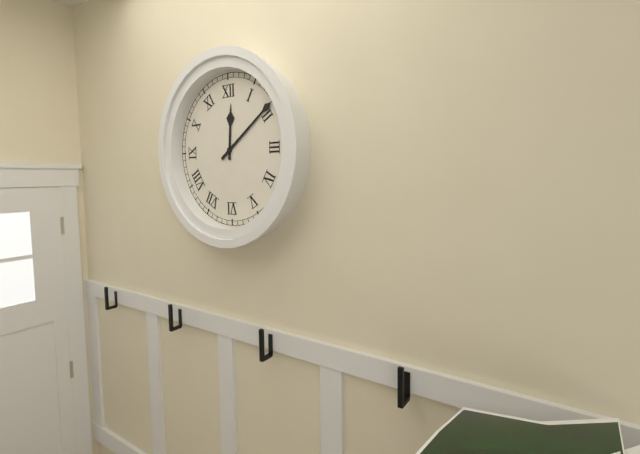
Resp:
12:09
